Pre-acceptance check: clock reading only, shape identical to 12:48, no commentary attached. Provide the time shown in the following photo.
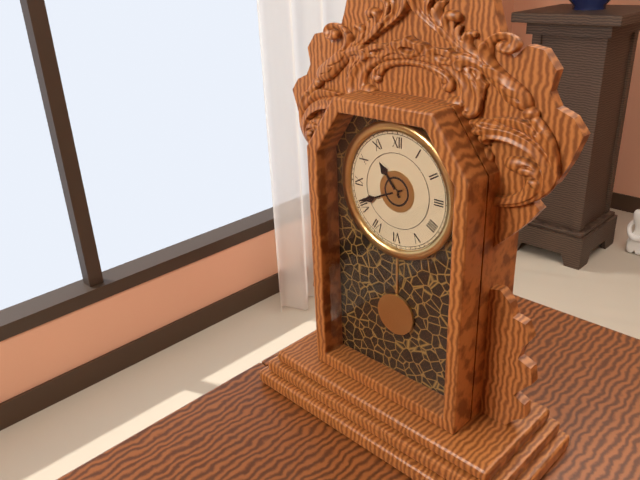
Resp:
10:41
